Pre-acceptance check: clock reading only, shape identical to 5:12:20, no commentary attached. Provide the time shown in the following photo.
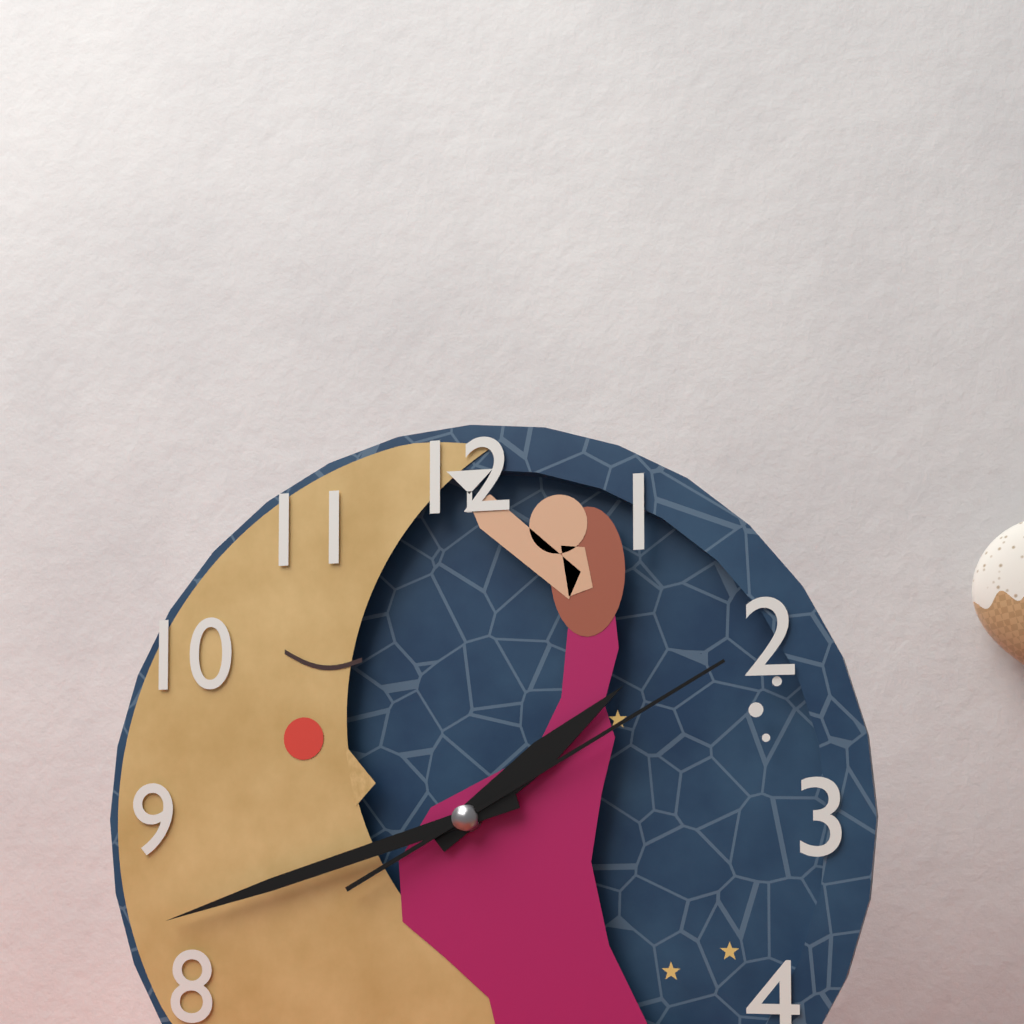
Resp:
1:42:10
